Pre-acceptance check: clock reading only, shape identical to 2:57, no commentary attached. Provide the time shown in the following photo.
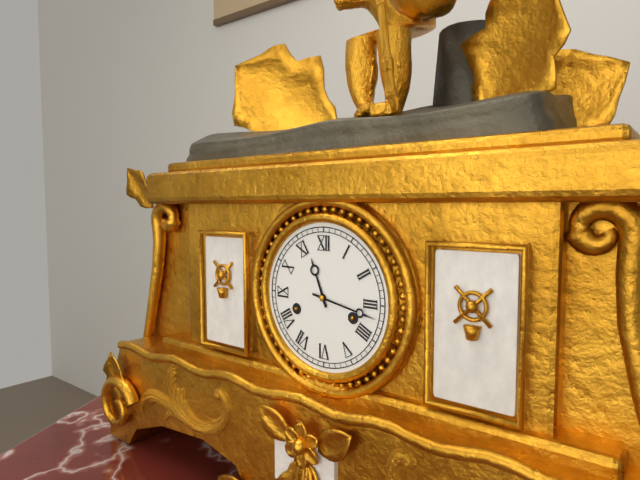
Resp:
11:17
